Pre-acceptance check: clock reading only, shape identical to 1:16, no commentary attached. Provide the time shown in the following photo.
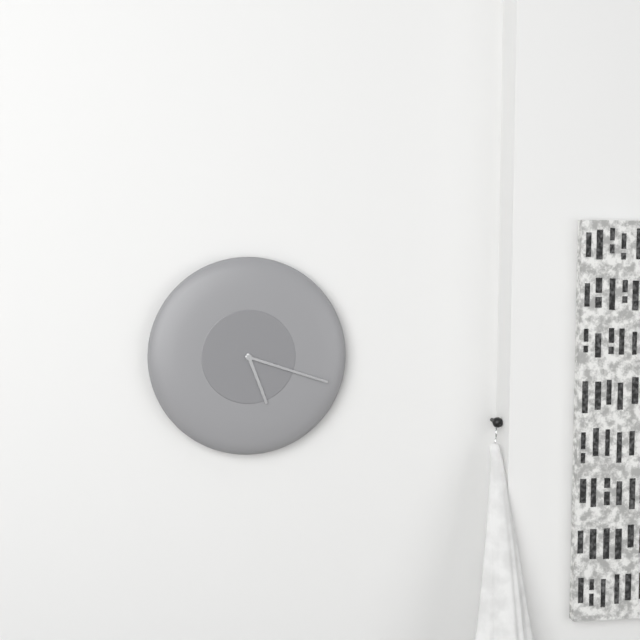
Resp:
5:18
